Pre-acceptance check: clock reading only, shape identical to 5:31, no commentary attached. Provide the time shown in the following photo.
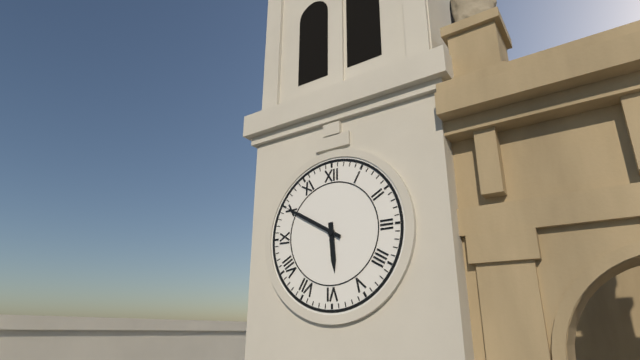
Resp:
5:50
